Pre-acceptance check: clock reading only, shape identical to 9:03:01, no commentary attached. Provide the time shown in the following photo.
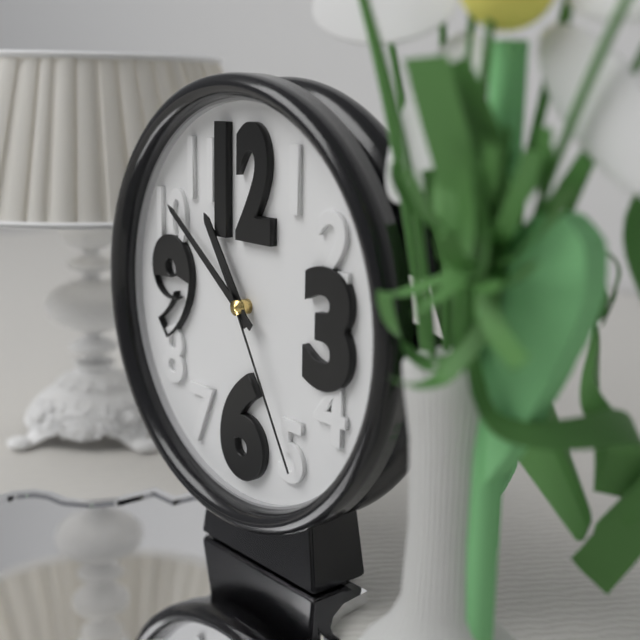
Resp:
10:51:25
